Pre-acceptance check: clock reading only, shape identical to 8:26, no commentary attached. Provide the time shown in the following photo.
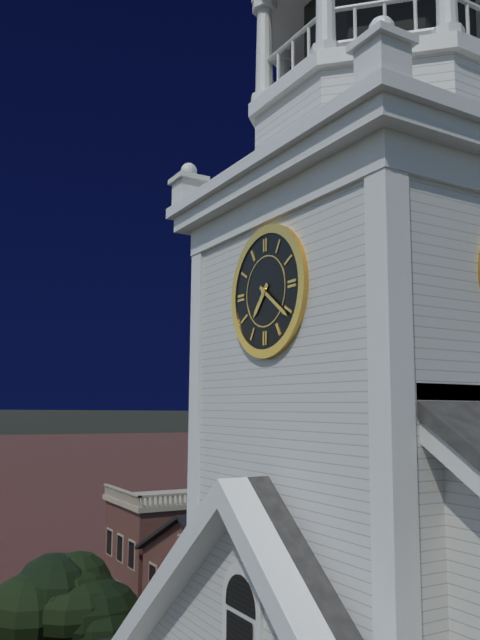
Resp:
7:21
